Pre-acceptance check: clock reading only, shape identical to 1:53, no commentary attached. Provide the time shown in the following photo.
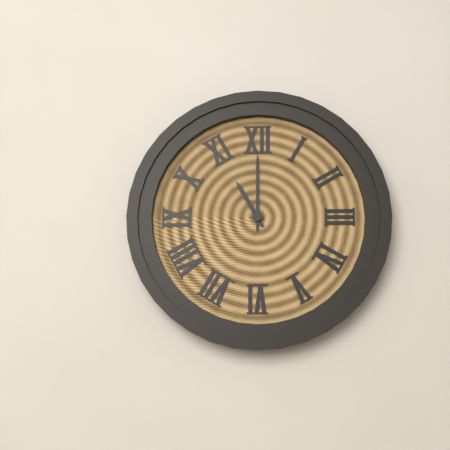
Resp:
11:00
